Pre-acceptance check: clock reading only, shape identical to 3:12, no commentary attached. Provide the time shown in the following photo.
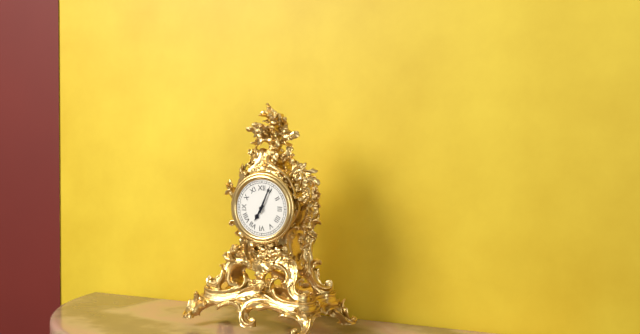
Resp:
7:04
